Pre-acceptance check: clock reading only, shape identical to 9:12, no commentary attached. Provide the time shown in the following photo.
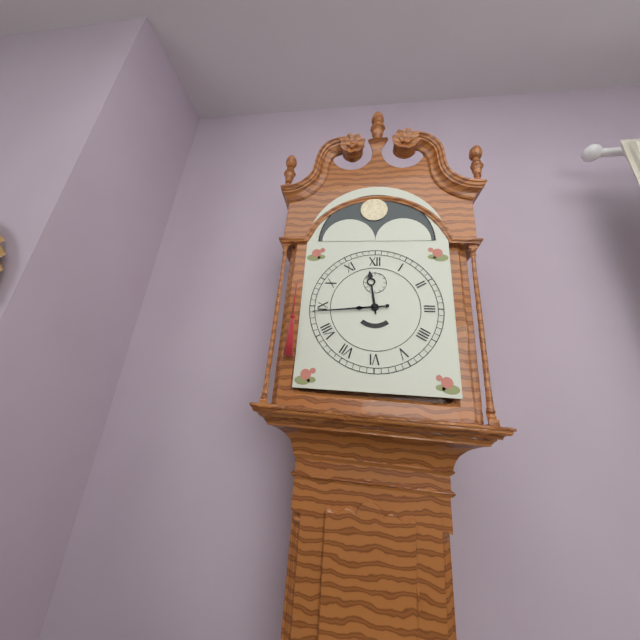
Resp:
11:44
